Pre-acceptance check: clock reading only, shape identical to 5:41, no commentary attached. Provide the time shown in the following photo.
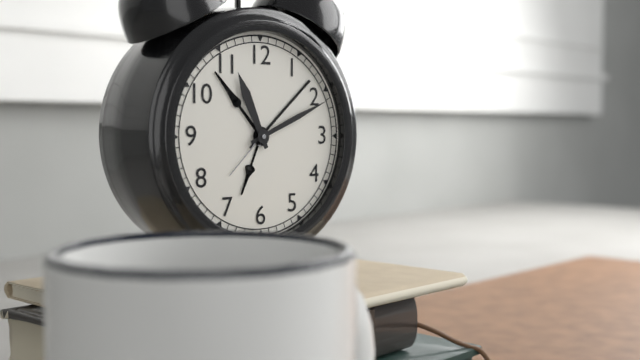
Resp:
11:11
